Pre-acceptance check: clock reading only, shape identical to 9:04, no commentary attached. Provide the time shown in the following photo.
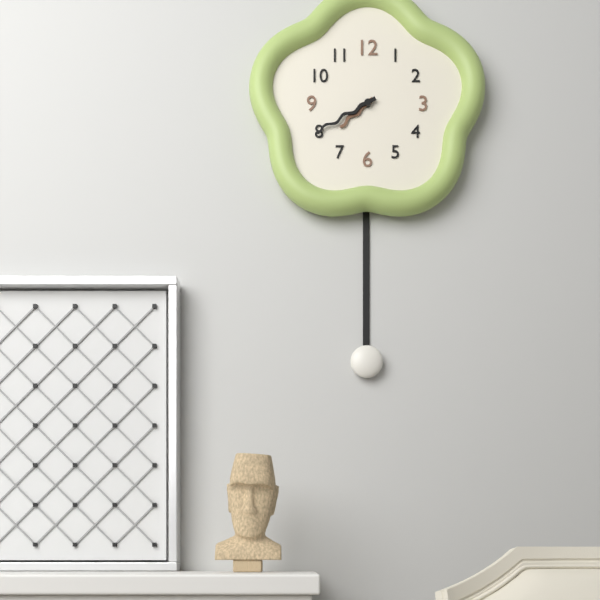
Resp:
7:40
